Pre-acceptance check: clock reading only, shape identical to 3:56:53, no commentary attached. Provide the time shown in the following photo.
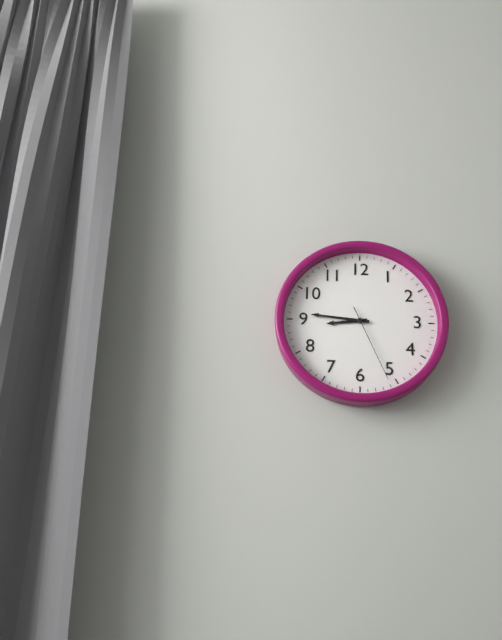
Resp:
8:46:26
